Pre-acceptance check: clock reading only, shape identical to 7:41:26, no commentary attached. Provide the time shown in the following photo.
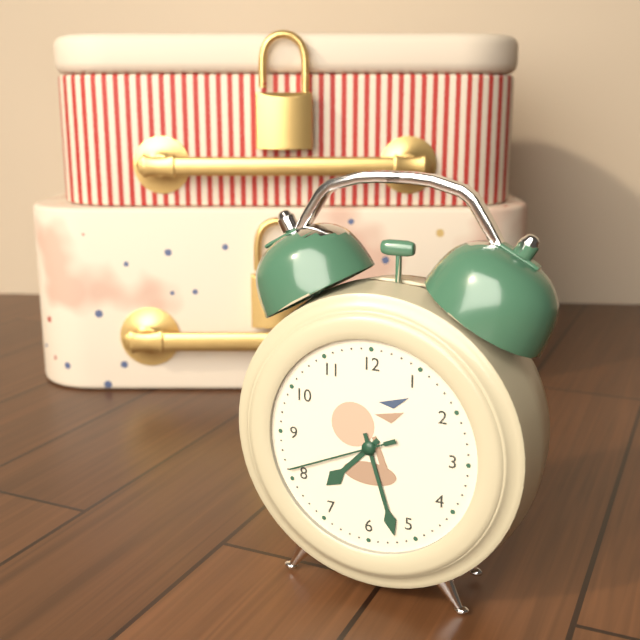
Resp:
7:27:41
